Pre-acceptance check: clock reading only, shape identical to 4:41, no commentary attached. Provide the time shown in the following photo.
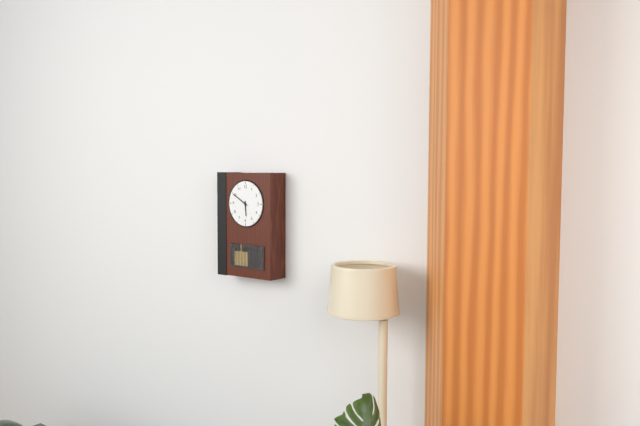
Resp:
5:50
